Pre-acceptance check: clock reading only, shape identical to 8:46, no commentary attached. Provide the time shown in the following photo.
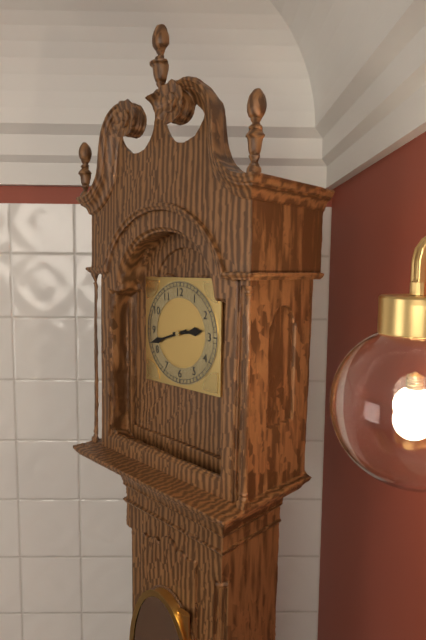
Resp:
2:42
